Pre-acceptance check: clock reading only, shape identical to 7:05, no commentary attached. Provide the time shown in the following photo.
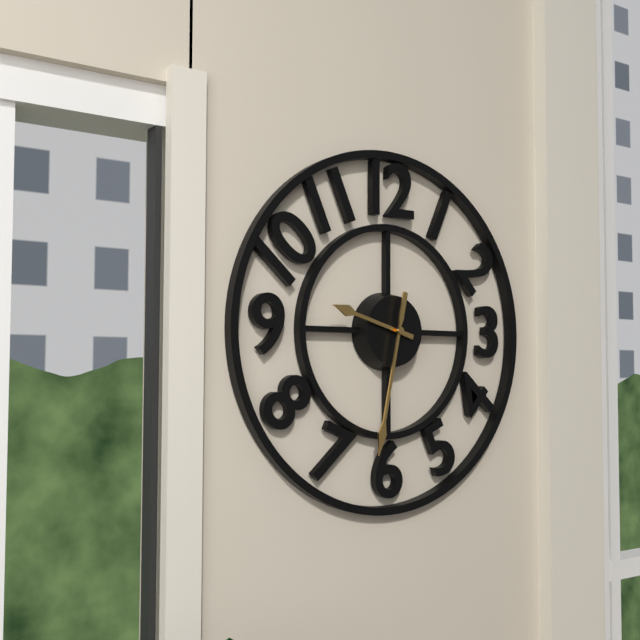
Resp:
9:32
